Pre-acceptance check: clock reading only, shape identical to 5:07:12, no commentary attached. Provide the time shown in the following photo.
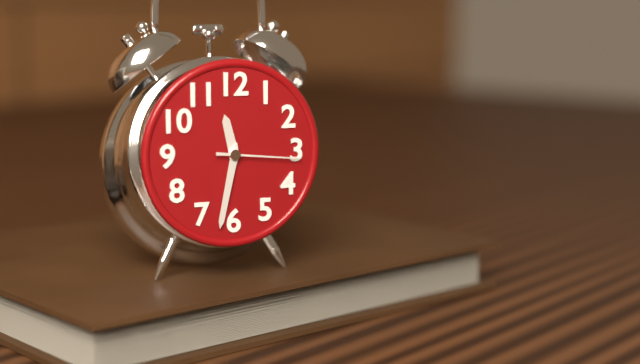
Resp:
11:32:16
